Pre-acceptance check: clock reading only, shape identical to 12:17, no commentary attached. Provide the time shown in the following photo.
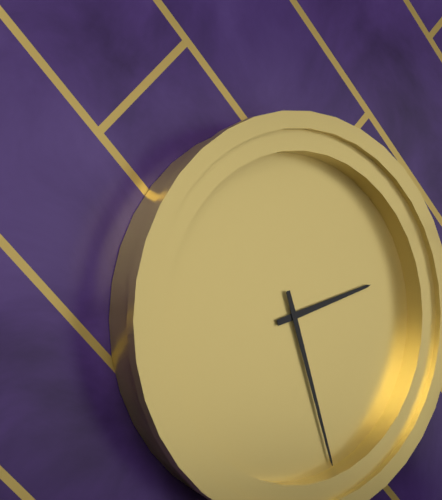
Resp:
2:27
